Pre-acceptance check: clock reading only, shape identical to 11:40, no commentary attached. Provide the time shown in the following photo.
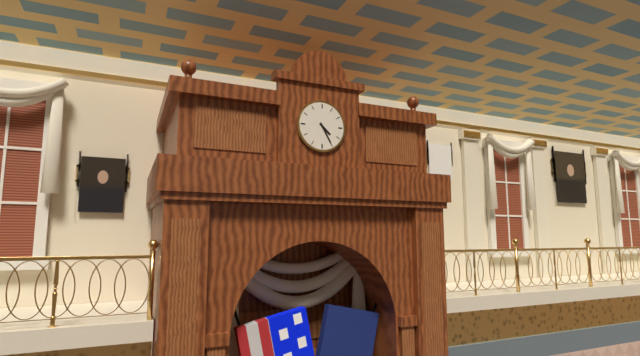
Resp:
4:25
